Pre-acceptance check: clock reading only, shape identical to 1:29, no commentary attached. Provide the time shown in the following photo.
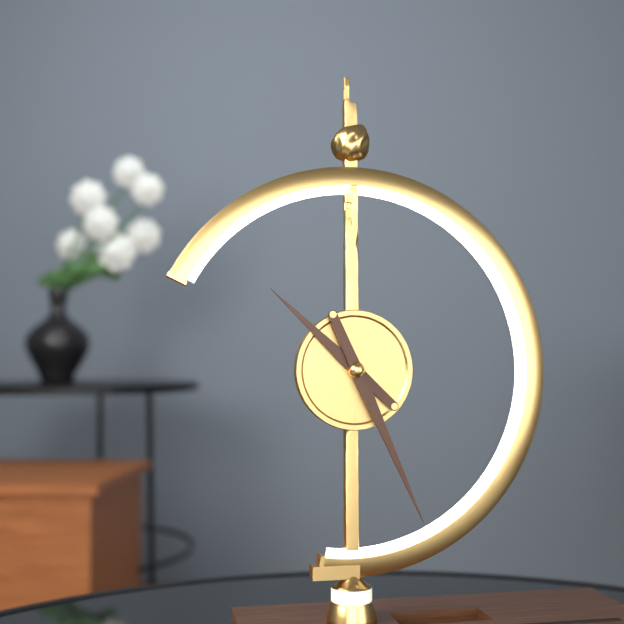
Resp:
10:26
